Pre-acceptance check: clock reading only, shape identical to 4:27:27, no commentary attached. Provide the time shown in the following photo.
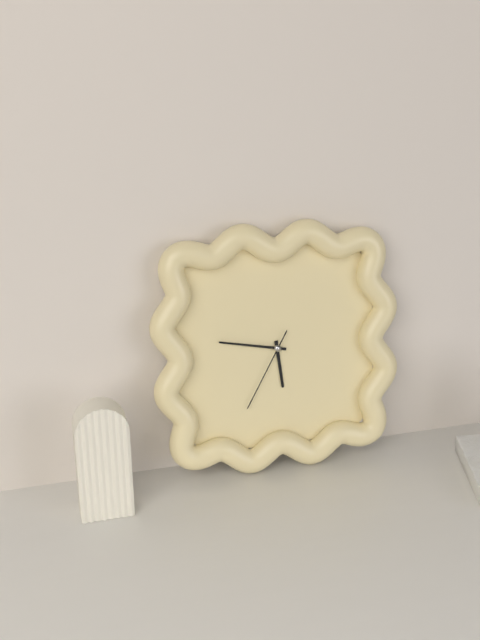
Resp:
5:47:35
